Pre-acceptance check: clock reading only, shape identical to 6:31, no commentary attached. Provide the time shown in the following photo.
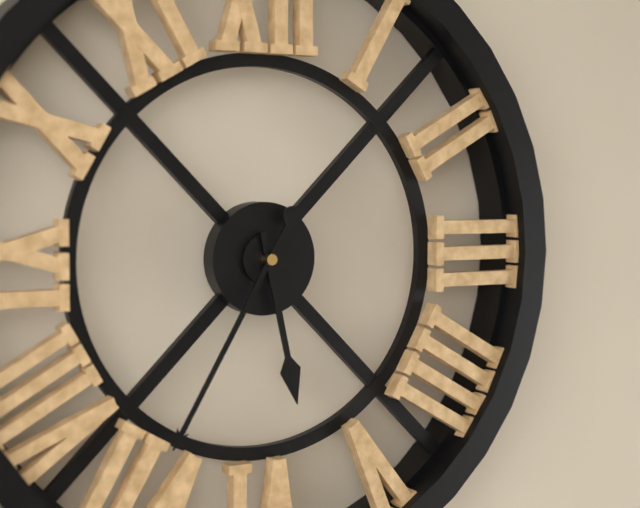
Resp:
5:35
